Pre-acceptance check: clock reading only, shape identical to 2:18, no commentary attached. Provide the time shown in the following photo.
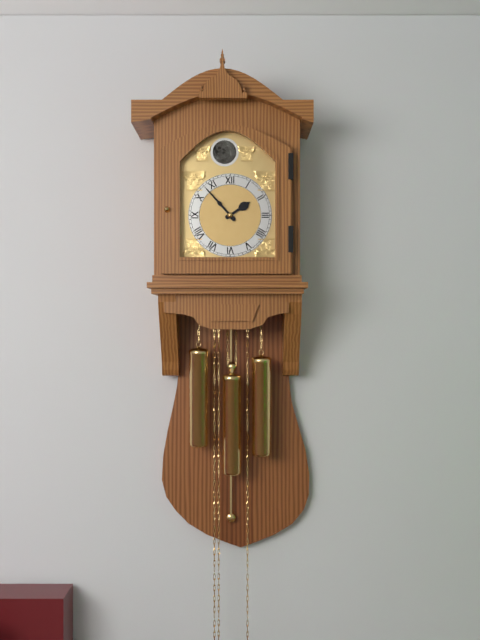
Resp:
1:53
